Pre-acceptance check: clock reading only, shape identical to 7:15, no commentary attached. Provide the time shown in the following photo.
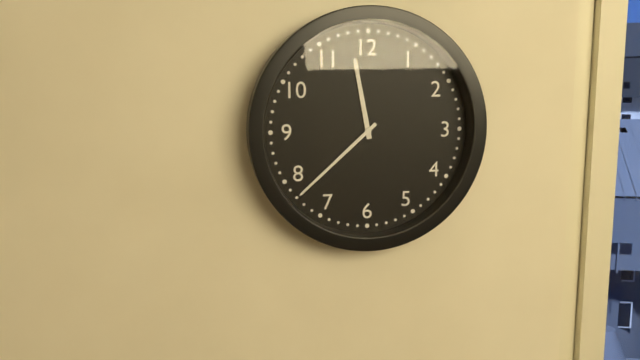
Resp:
11:38
